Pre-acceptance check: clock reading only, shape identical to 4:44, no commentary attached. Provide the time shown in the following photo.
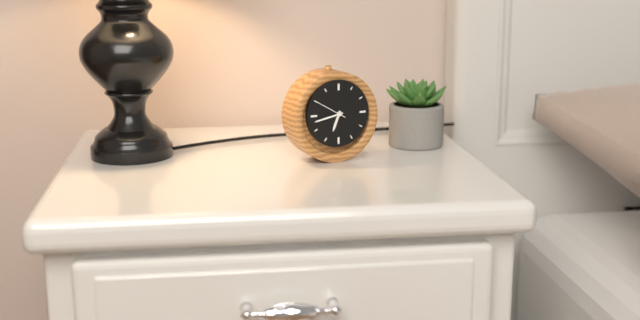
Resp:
6:43
